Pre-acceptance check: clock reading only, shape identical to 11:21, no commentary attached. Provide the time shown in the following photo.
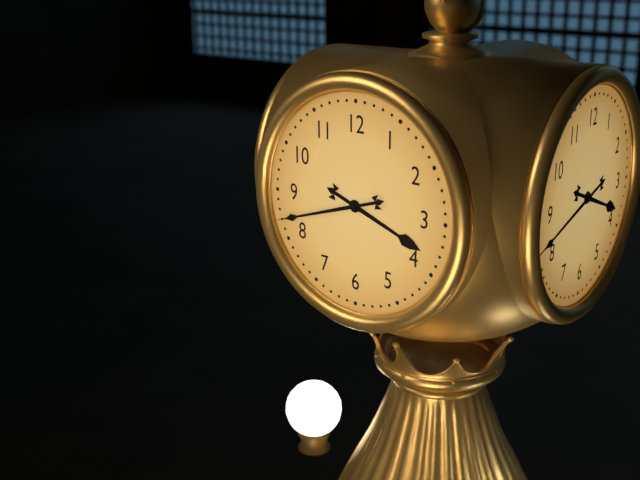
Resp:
3:42
